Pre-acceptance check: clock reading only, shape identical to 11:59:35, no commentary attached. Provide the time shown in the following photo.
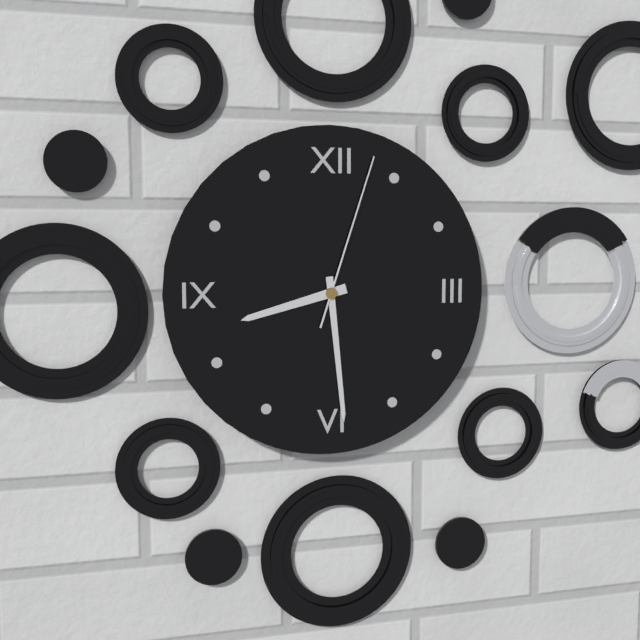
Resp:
8:29:03
